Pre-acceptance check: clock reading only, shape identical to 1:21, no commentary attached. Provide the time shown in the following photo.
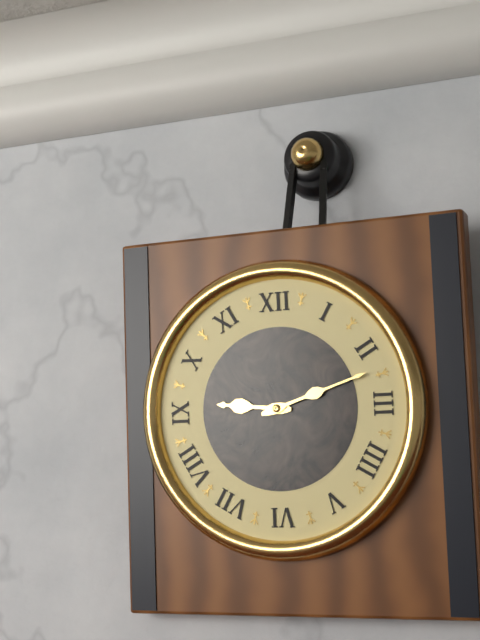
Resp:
9:12
